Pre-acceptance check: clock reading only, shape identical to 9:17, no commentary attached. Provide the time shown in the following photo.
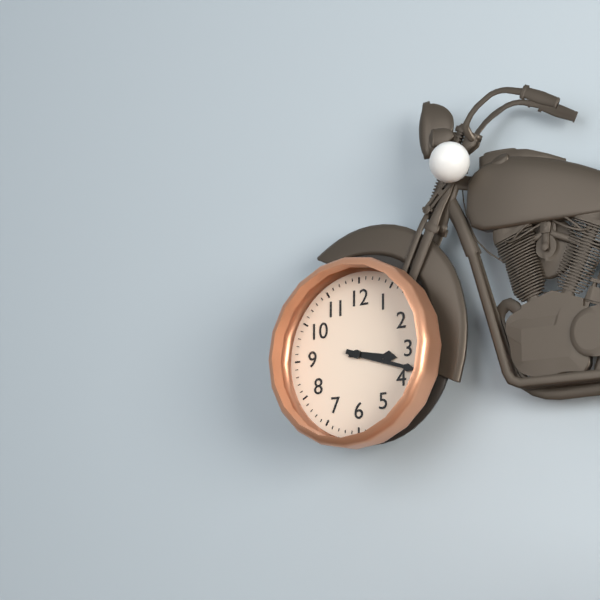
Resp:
3:18
